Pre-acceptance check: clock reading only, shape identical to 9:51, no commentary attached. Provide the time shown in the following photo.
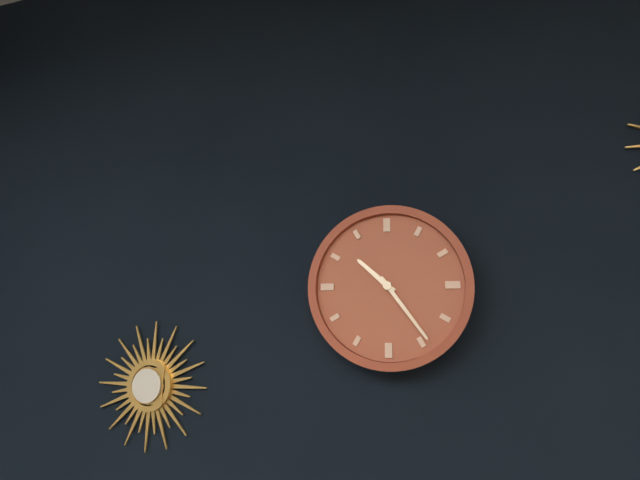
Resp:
10:24
